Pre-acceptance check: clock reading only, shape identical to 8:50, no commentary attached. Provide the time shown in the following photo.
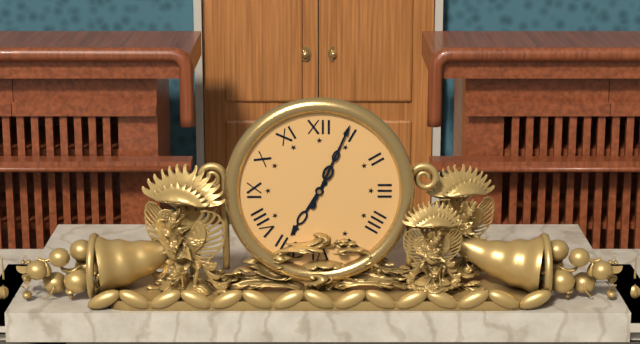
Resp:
7:04
